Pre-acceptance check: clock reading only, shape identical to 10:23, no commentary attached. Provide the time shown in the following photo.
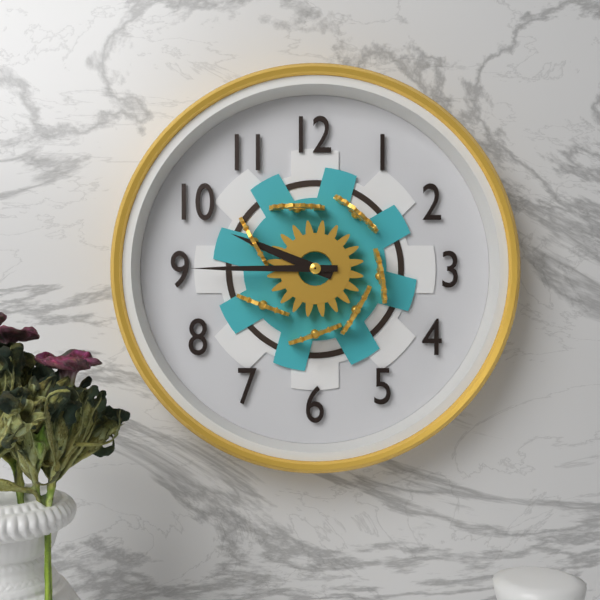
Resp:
9:45
